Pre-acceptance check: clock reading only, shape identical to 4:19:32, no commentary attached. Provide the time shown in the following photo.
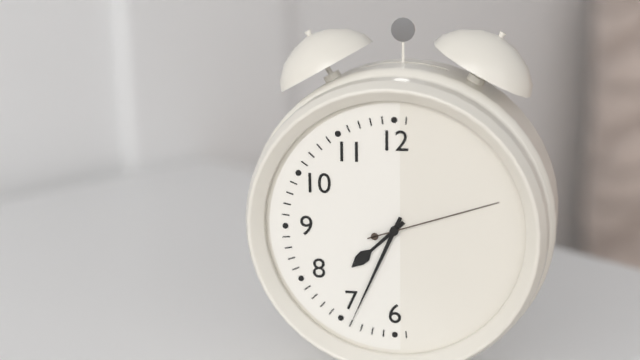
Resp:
7:34:12
